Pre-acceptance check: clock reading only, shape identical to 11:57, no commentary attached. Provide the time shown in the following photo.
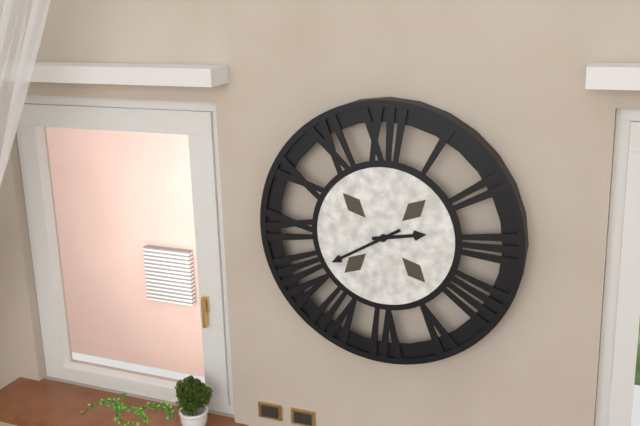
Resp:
2:40
